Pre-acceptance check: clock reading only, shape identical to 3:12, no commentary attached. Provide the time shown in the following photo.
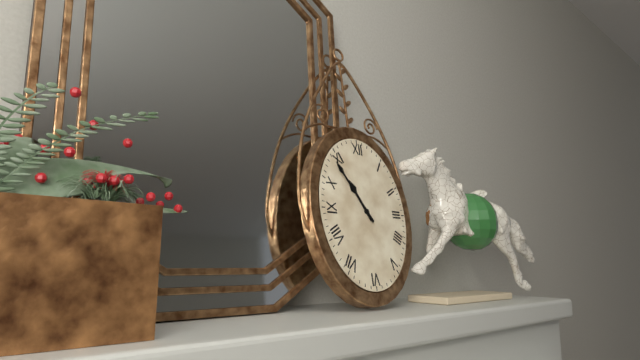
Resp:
10:54
